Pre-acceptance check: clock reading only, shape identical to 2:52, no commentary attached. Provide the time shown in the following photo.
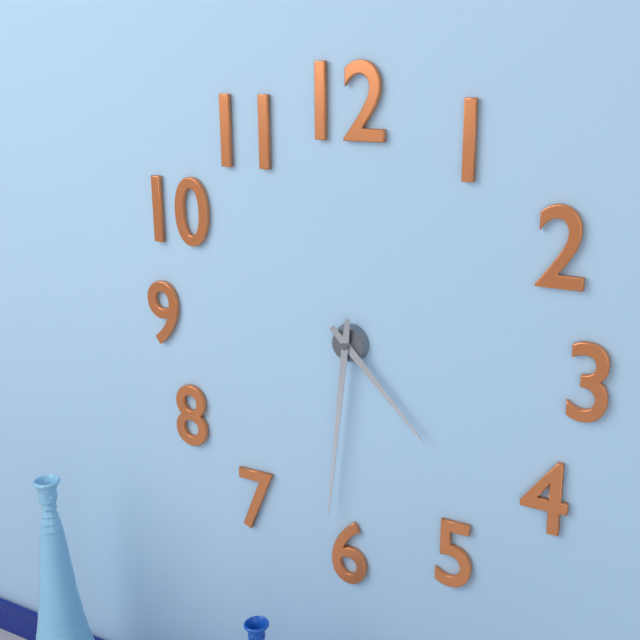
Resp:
4:31
